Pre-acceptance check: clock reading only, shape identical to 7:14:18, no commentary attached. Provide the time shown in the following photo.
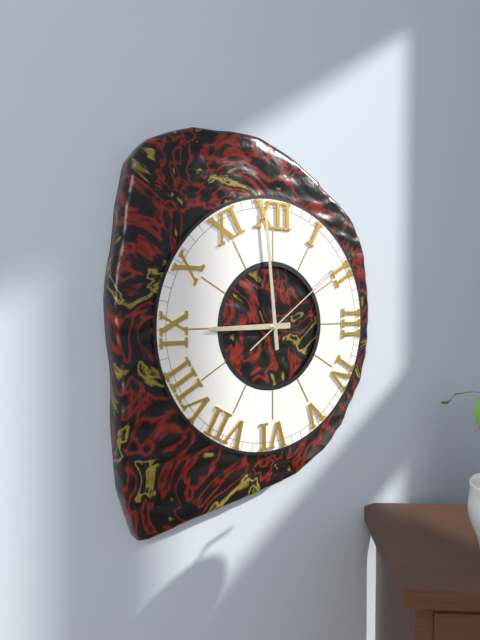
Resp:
8:59:09
